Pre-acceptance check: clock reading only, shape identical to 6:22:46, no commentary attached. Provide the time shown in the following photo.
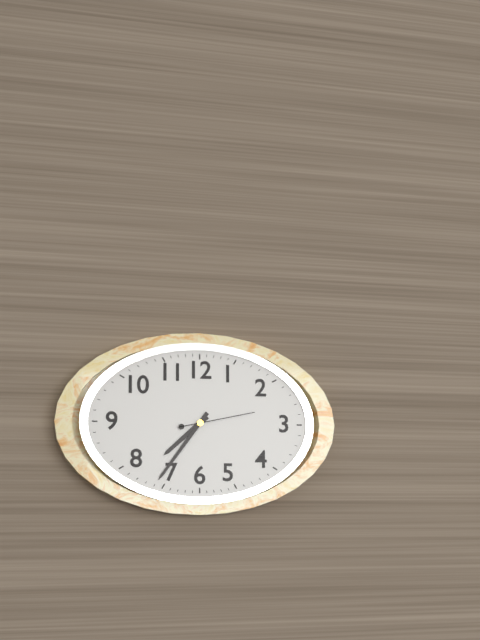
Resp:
7:36:13
